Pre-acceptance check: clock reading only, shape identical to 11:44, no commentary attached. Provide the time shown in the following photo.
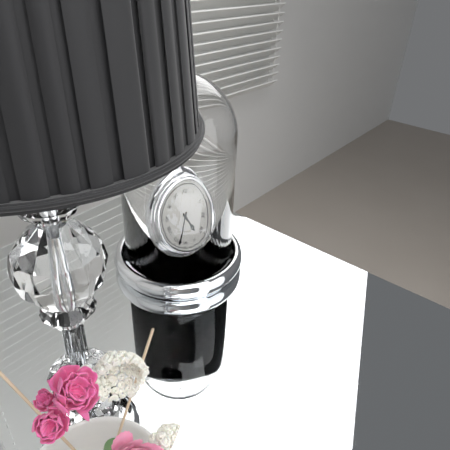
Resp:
4:33
